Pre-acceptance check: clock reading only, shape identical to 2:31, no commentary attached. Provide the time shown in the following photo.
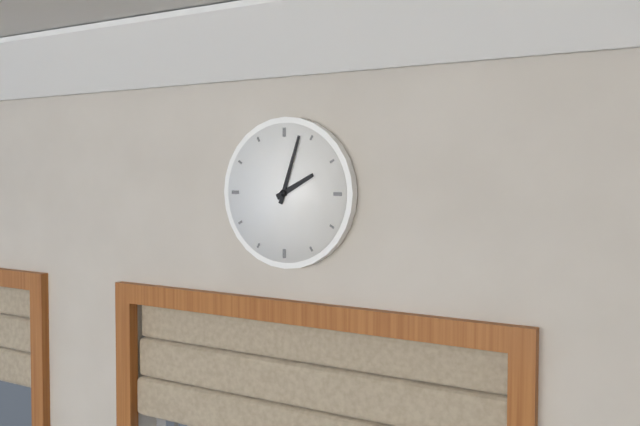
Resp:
2:03
